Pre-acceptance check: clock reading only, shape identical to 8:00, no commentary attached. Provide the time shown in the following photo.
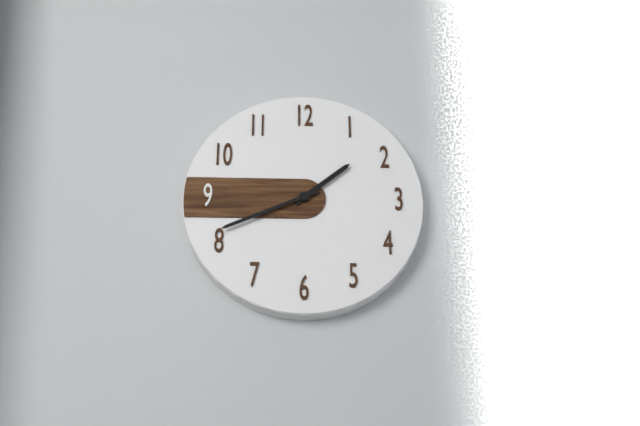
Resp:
1:41
